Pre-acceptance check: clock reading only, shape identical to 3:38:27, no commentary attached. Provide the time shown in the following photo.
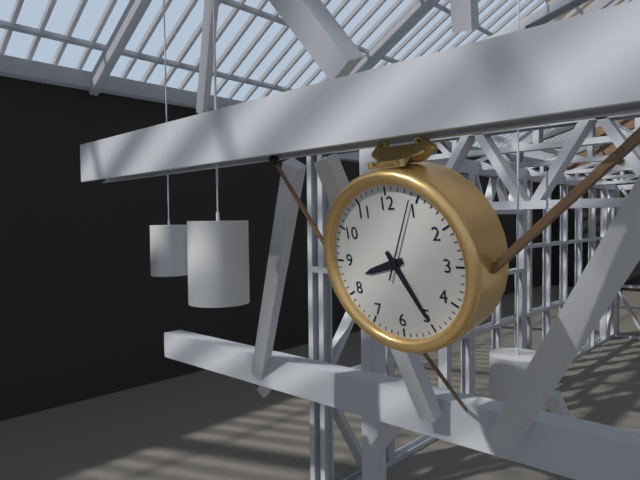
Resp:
8:25:04
